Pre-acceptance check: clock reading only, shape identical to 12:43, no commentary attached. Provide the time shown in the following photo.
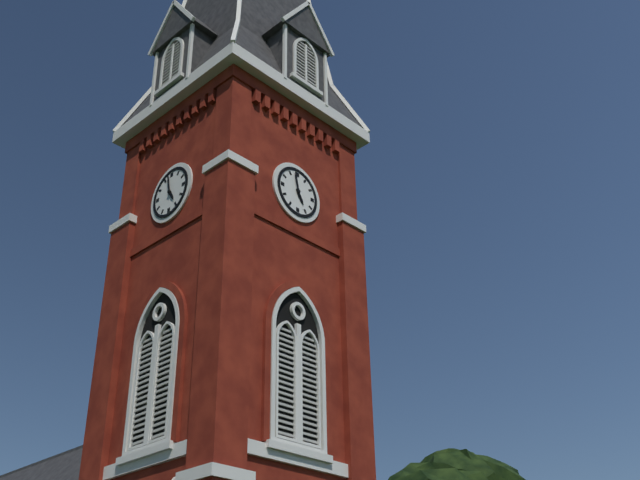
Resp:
4:58
